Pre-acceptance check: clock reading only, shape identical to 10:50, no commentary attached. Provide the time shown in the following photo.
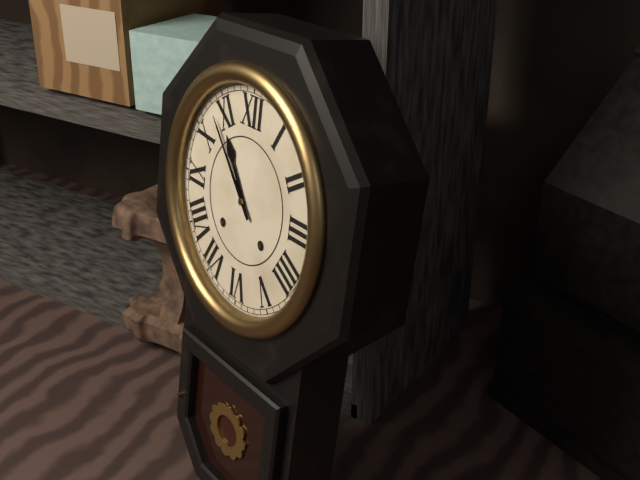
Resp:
10:53
